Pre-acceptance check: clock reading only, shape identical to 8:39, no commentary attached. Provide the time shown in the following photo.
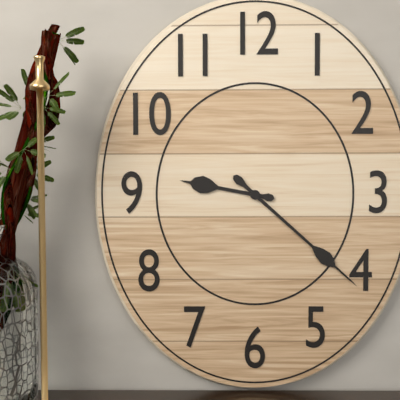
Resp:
9:22
